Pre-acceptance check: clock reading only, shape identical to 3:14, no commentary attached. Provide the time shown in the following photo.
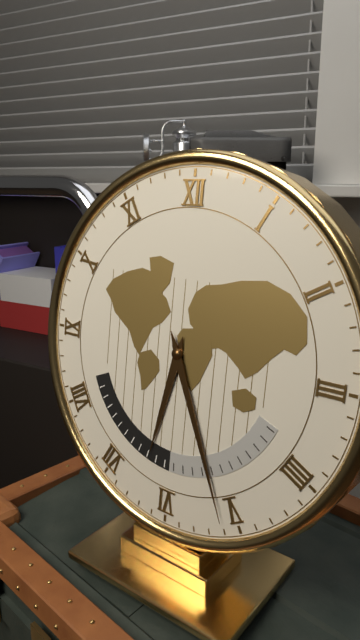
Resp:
6:26
